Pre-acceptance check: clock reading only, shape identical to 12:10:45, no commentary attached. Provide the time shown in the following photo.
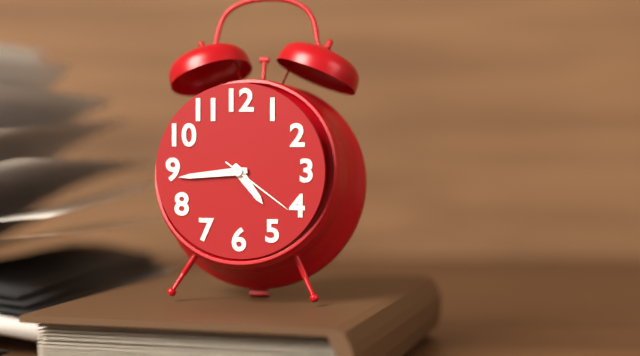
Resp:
4:44:21
